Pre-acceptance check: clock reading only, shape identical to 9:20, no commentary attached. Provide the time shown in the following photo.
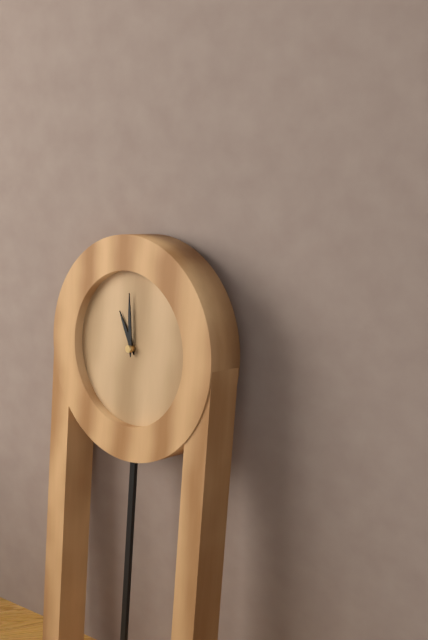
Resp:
10:59
